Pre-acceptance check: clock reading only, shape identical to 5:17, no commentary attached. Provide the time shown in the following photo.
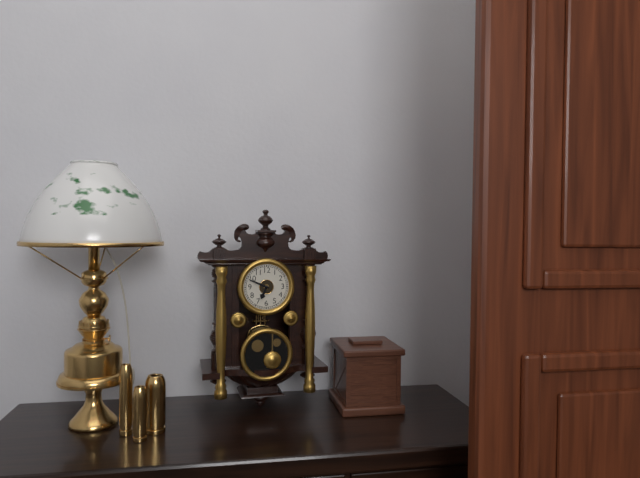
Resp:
6:49
